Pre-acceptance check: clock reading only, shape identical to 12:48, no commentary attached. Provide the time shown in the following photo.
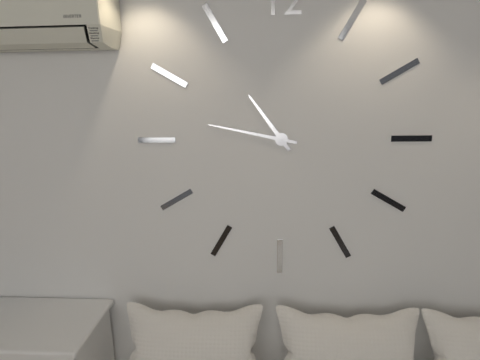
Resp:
10:47
